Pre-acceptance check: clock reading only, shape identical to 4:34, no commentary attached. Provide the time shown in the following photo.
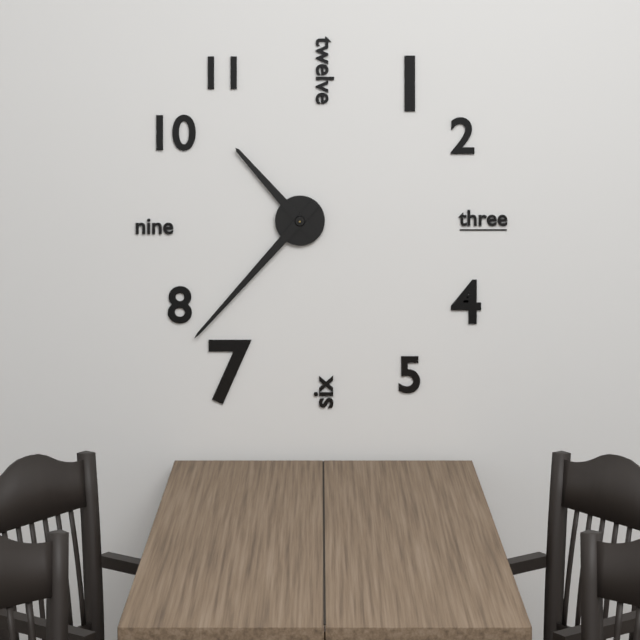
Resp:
10:37
